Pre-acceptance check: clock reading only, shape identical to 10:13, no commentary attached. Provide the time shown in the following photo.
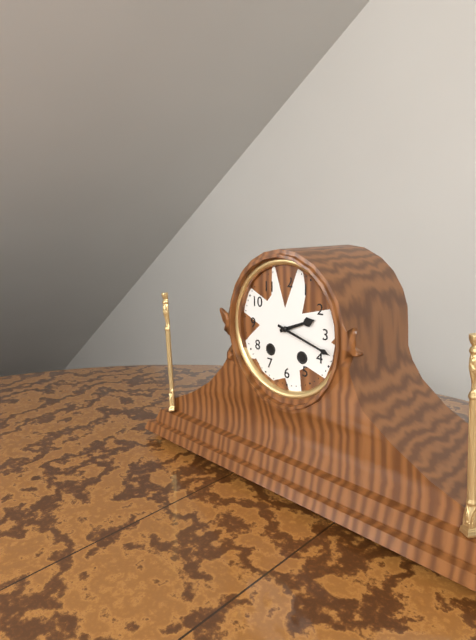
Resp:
2:18
